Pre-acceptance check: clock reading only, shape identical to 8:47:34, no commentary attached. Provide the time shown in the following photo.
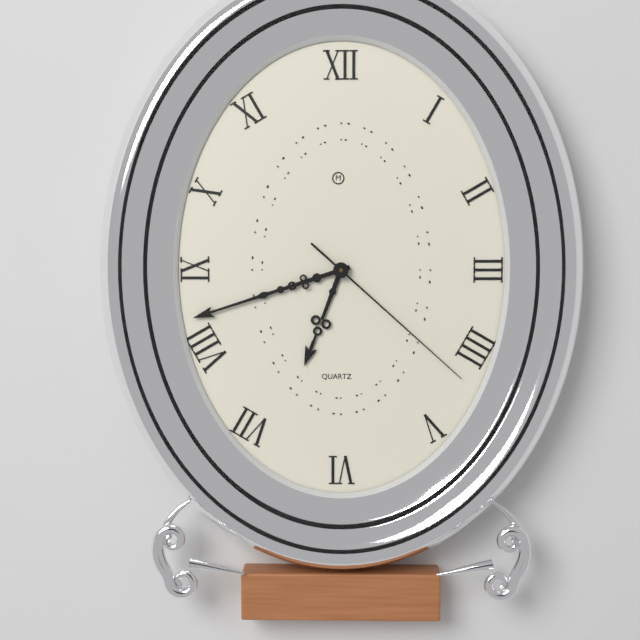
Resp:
6:42:22
